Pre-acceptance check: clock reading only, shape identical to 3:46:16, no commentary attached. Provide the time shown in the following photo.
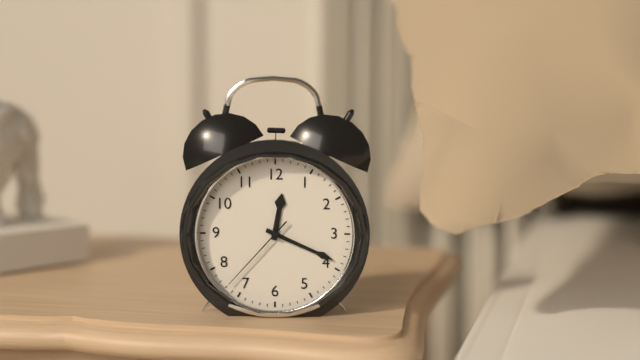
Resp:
12:19:37
